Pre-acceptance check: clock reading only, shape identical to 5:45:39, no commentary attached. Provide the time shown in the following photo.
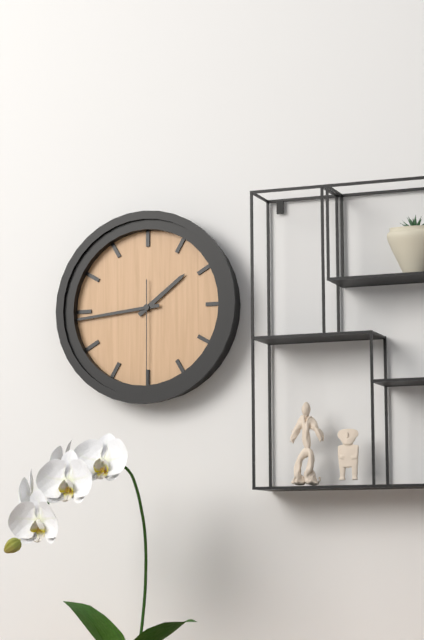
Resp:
1:44:30
